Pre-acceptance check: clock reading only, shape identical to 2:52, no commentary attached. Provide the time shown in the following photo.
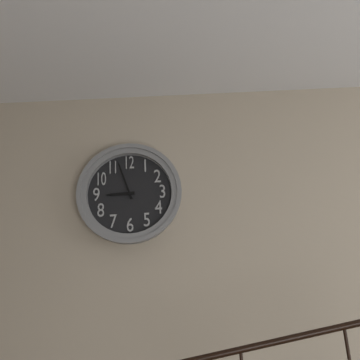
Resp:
8:57
